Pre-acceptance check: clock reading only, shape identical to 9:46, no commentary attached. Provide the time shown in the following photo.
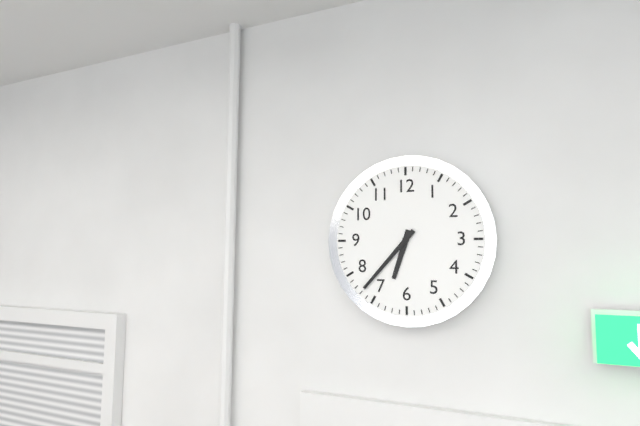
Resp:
6:37
